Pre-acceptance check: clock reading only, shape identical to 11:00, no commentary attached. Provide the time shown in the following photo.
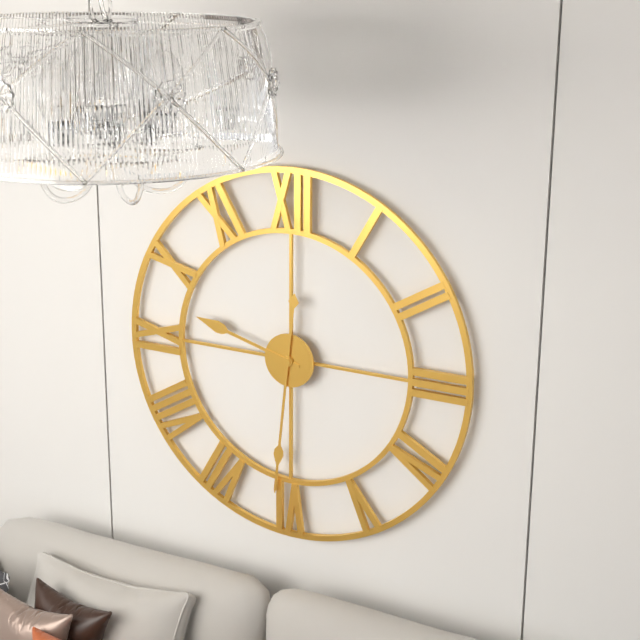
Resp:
9:31
